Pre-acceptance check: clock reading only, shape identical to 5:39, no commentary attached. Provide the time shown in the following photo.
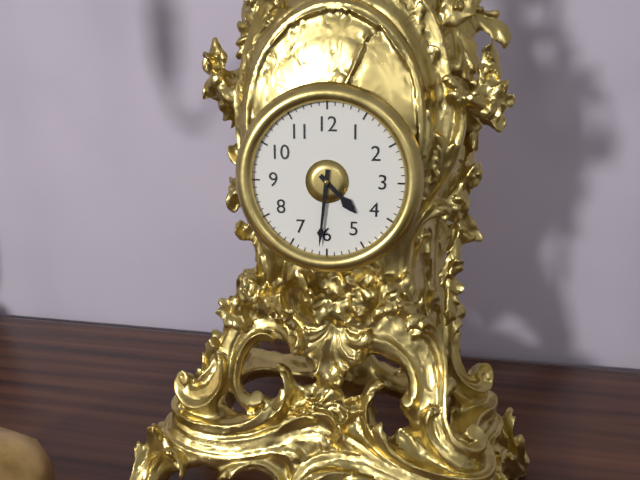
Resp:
4:31
